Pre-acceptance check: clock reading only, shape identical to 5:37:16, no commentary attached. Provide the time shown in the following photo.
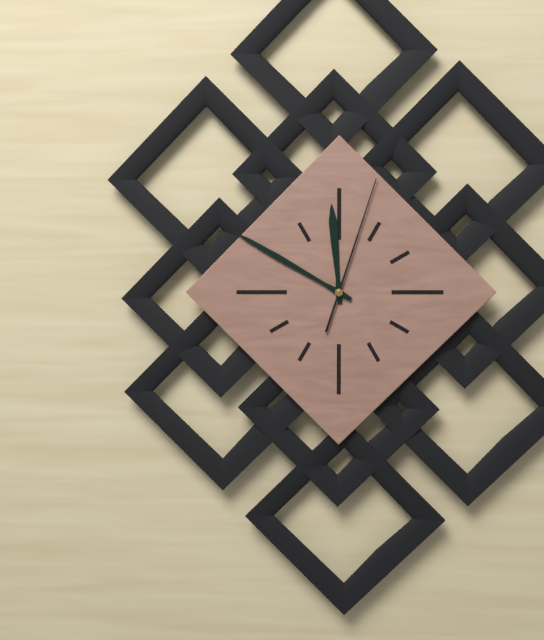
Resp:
11:50:03
